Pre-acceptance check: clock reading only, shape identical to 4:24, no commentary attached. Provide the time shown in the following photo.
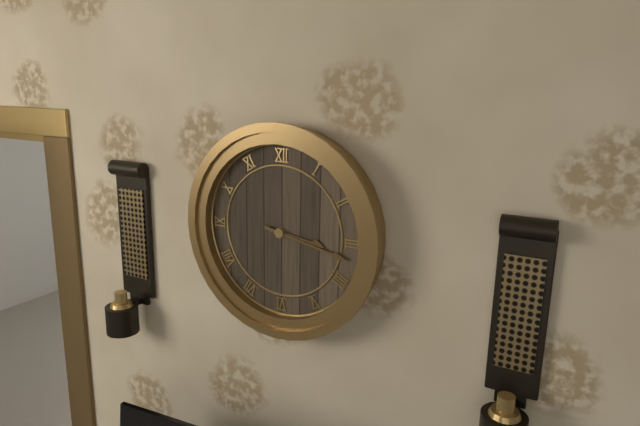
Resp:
3:17
